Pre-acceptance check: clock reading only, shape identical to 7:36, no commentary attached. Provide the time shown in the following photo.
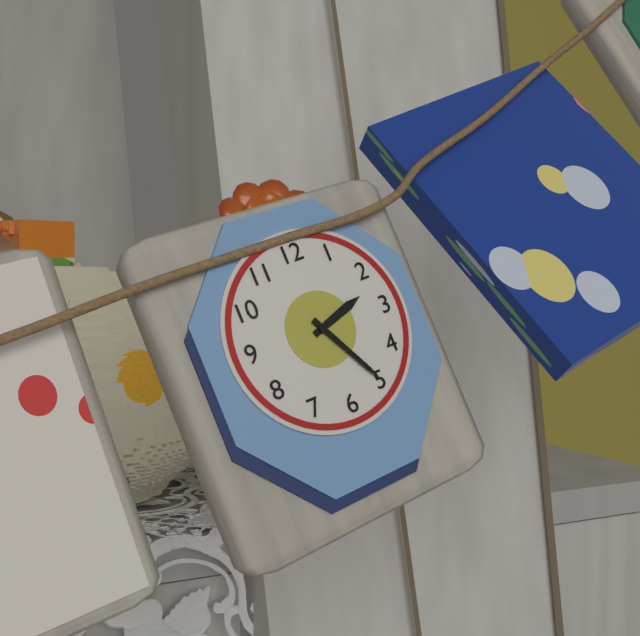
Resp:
2:25
